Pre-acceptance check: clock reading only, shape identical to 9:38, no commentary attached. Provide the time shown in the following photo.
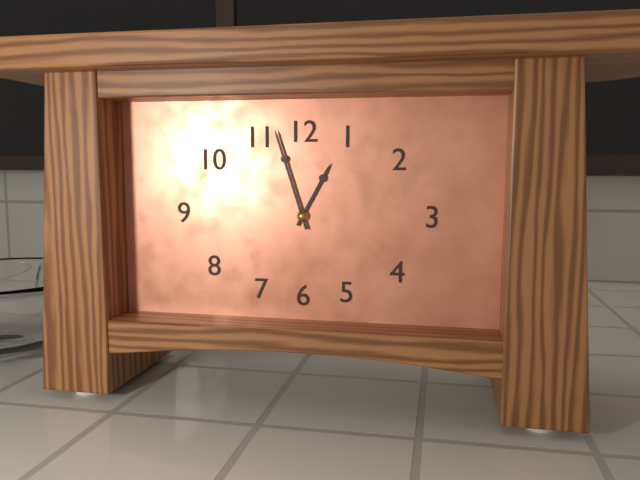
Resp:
12:57
